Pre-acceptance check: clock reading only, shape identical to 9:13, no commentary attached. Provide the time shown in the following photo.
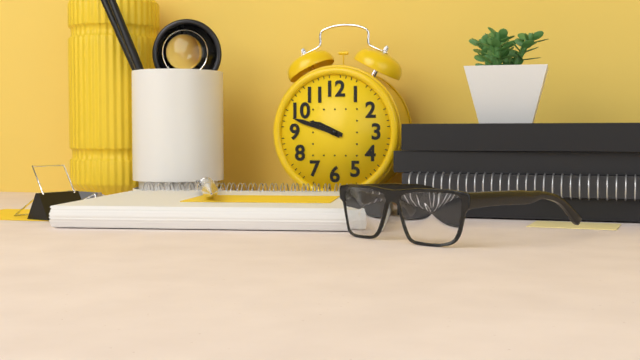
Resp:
9:48
